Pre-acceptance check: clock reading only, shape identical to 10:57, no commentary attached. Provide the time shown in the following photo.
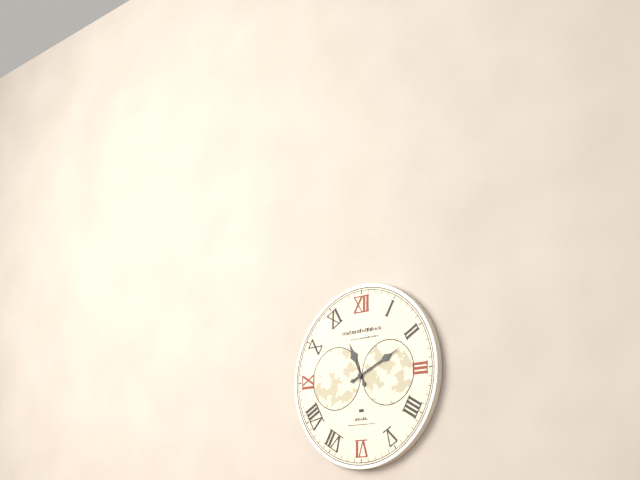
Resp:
11:11
